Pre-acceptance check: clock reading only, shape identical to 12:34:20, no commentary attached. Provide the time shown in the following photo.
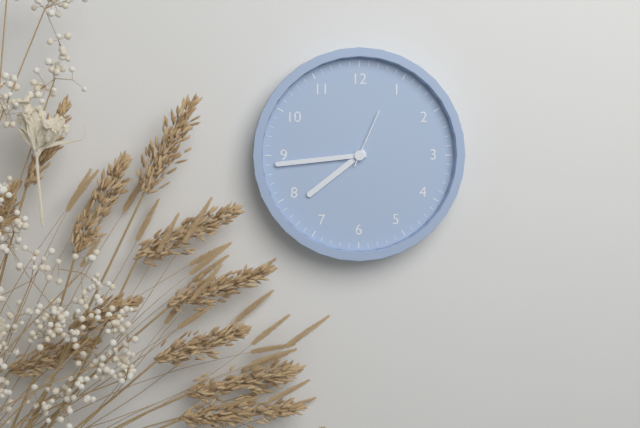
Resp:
7:44:04
